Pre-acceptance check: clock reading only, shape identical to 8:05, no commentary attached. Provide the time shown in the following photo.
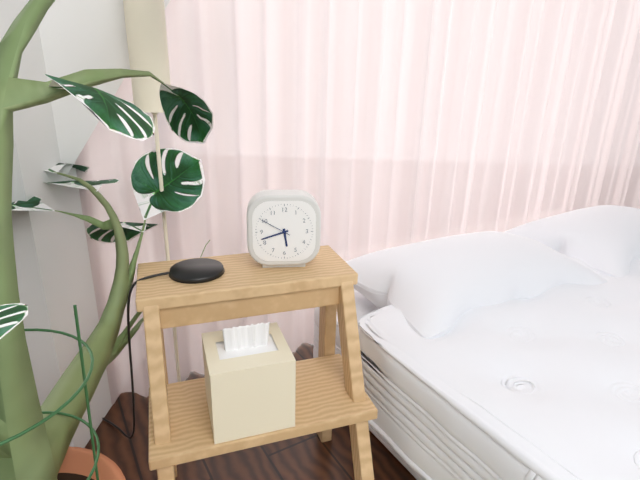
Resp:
5:42
